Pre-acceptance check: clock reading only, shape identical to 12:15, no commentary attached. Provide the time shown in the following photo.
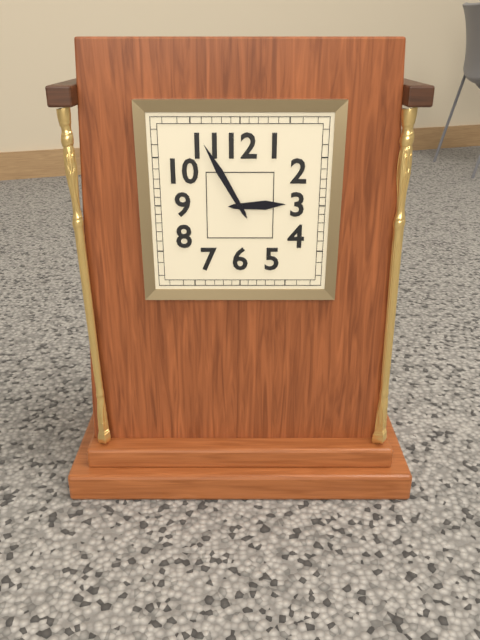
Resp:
2:55
